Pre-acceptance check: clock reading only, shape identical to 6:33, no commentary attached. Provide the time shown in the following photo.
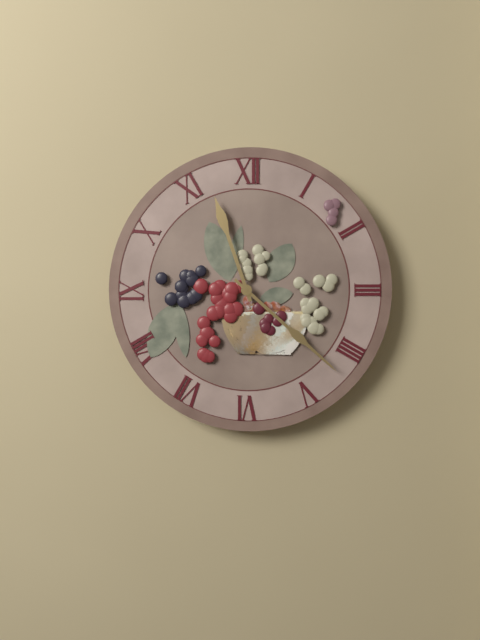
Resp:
11:22
